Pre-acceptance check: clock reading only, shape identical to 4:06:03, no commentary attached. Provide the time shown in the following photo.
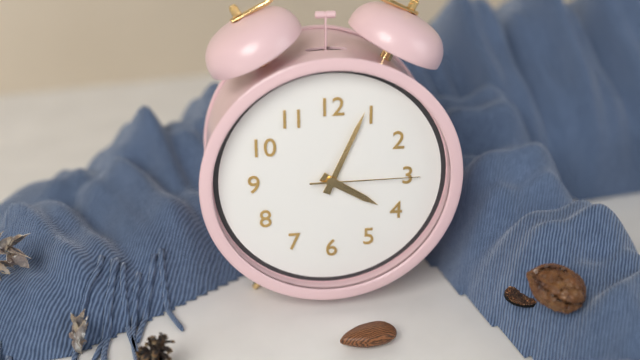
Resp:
4:04:15
